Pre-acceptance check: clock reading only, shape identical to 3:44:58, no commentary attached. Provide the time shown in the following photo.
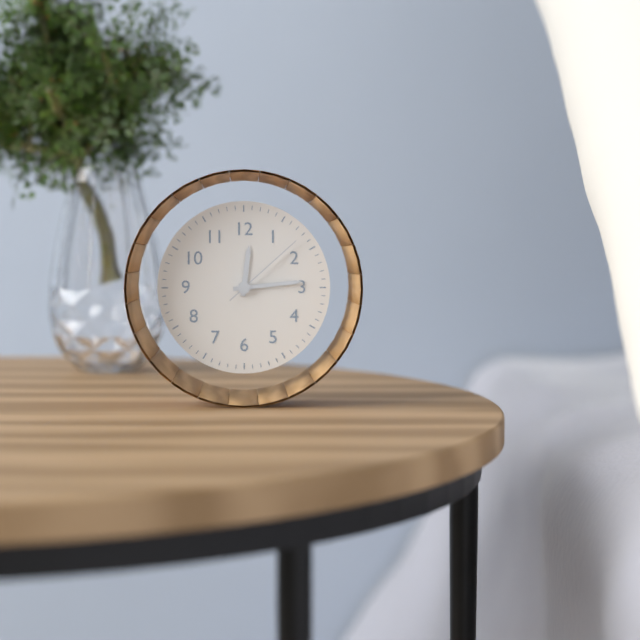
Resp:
12:14:08
